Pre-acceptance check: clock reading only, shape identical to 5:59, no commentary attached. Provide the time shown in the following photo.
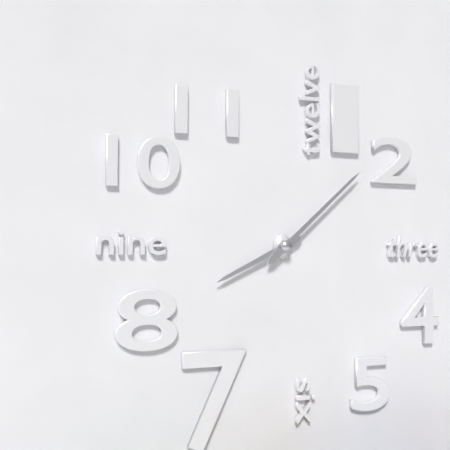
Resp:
8:08
